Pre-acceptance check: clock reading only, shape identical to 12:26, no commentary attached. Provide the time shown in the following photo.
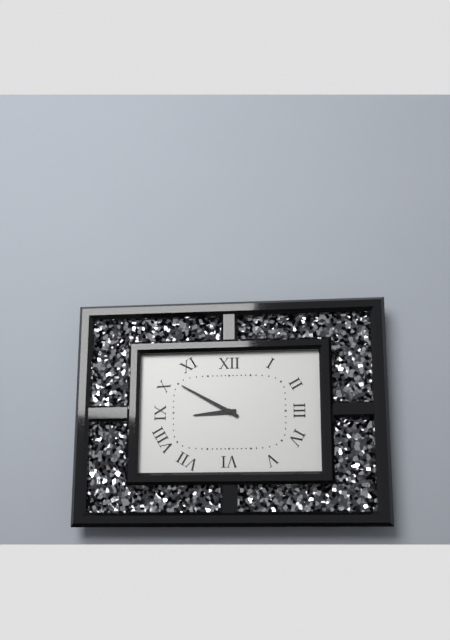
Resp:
8:50
